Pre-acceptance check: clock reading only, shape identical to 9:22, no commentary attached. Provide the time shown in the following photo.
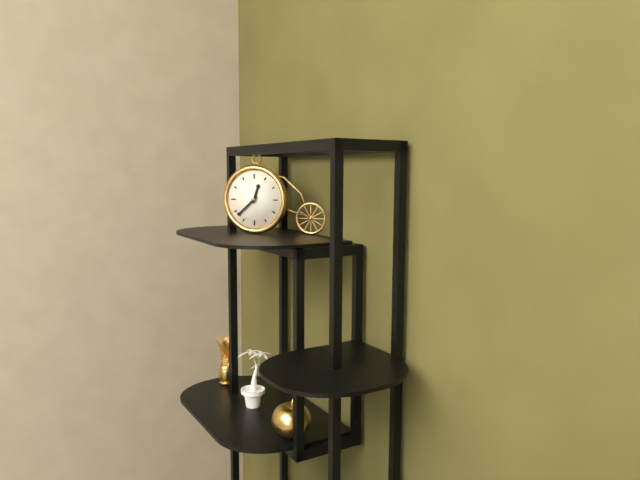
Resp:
12:38
